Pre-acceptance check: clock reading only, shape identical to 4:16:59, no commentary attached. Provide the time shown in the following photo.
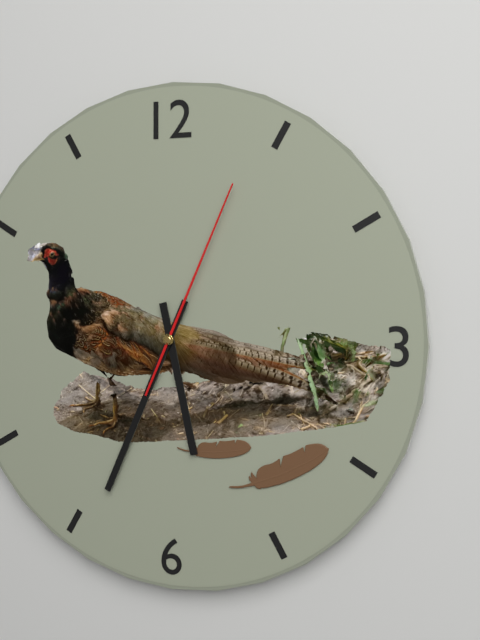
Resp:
5:34:04
